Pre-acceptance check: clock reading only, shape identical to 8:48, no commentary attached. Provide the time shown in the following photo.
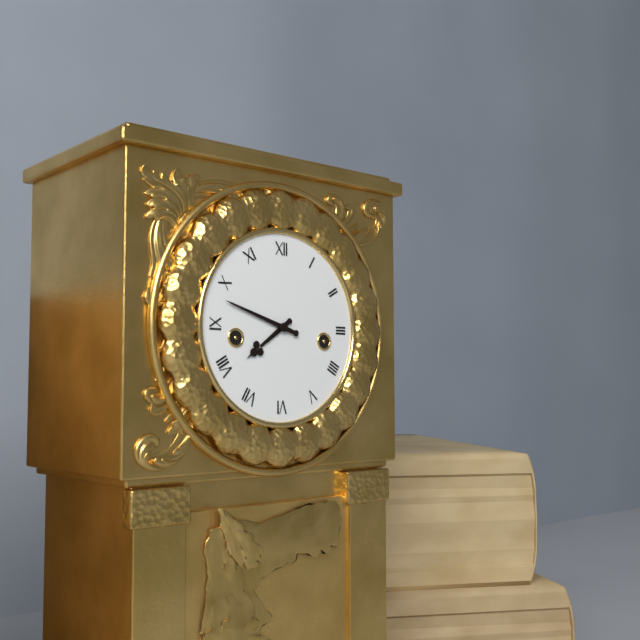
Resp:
7:48
